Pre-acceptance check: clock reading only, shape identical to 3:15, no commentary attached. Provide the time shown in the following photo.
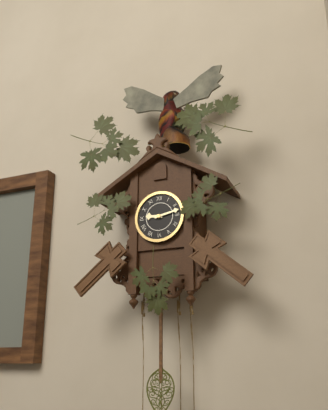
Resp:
9:13
